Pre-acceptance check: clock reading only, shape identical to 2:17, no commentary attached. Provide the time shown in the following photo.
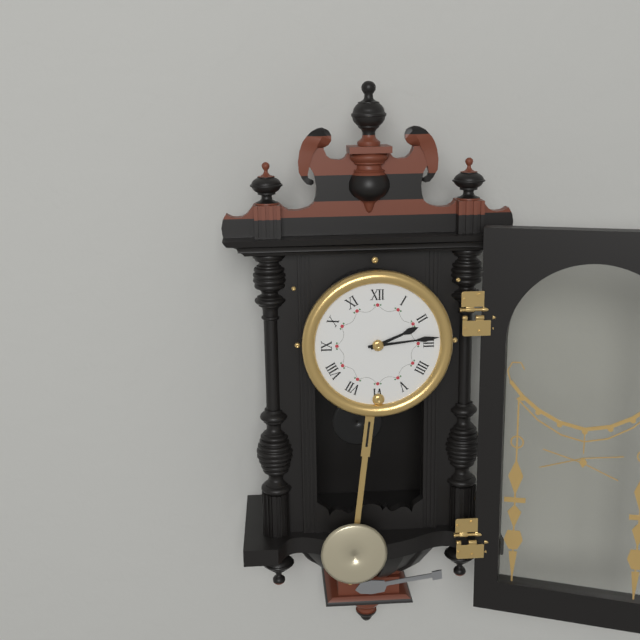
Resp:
2:14
